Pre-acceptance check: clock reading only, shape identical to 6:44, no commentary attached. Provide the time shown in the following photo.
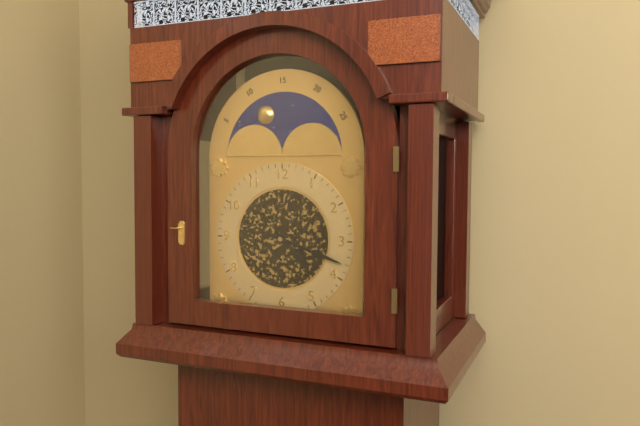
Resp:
4:18
